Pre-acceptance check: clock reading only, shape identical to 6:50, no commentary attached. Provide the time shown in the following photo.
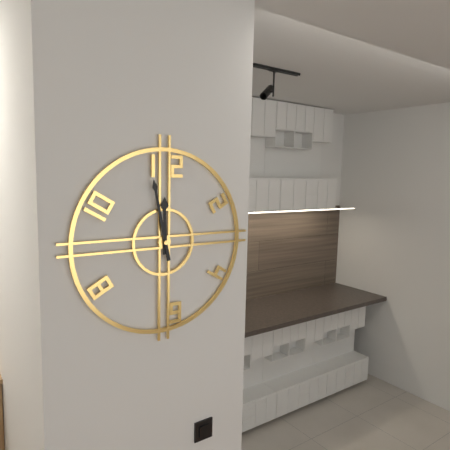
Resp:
11:58
